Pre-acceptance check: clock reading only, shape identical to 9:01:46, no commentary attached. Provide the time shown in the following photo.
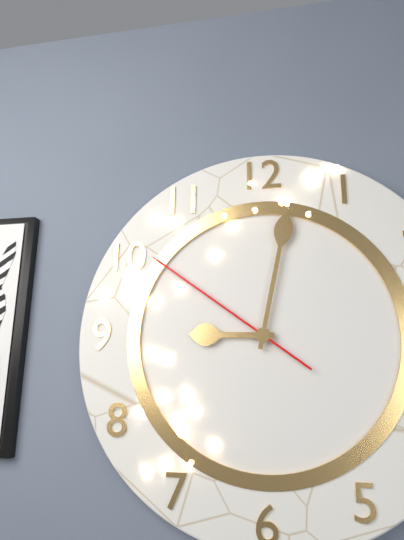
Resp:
9:02:51
